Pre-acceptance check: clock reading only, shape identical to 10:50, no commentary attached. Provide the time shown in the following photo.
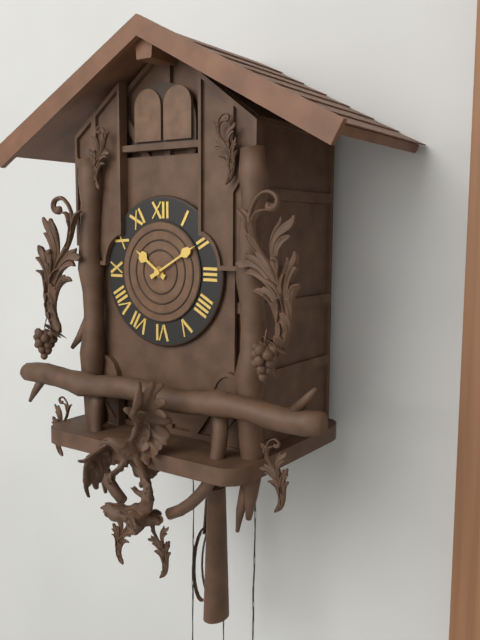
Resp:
10:10
